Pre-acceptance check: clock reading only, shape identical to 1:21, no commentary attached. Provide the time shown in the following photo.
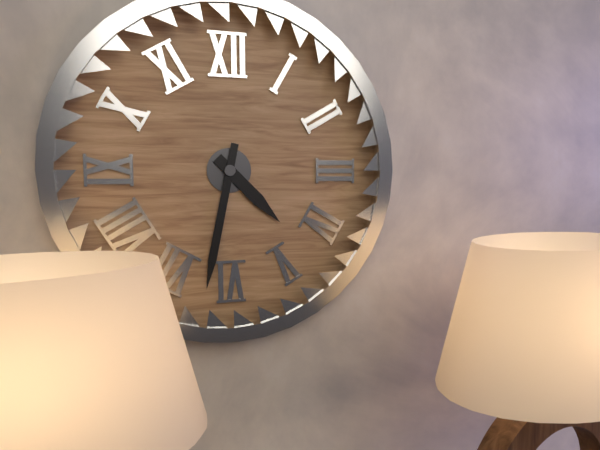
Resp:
4:32
